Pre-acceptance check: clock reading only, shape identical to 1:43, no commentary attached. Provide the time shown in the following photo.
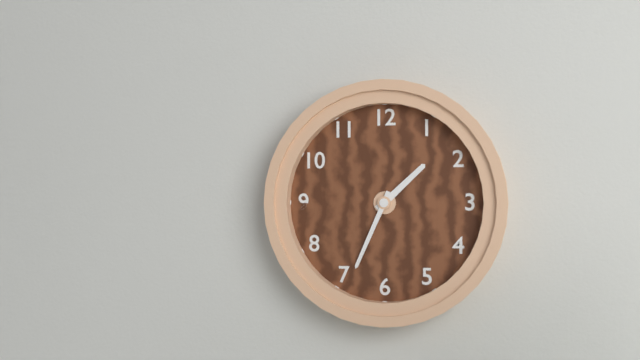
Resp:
1:34
